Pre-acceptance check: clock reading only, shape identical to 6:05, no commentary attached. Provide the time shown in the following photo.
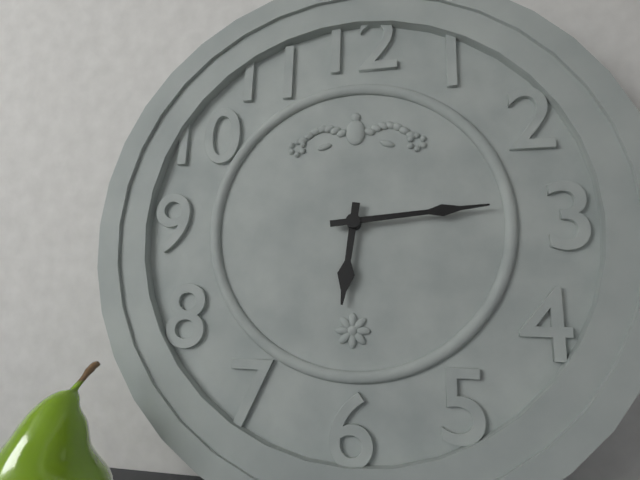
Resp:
6:14
